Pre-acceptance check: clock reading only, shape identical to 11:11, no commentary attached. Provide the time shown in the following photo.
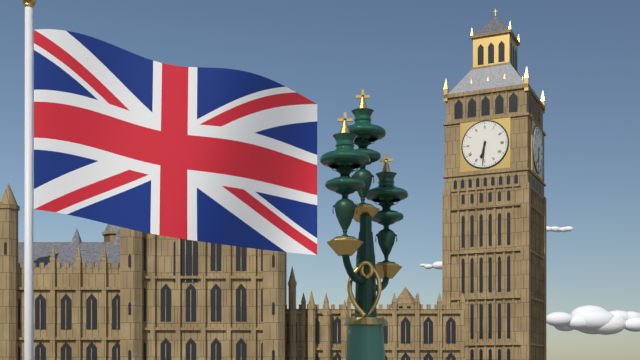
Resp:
6:31
